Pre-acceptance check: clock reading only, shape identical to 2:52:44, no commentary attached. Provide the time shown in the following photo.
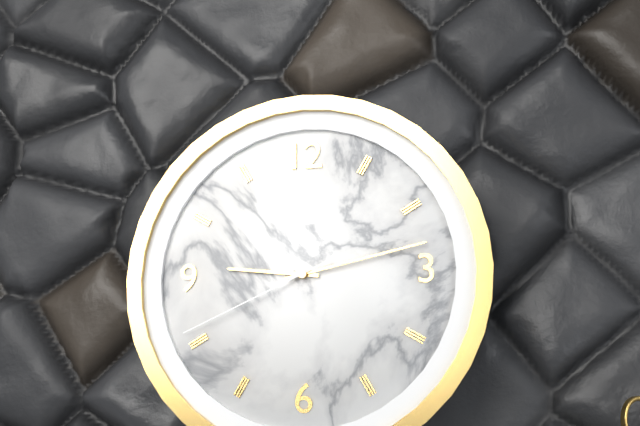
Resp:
9:13:41
